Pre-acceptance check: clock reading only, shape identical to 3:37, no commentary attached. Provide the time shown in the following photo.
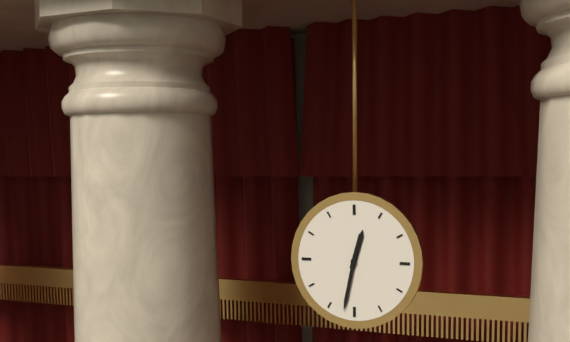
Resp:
12:32
